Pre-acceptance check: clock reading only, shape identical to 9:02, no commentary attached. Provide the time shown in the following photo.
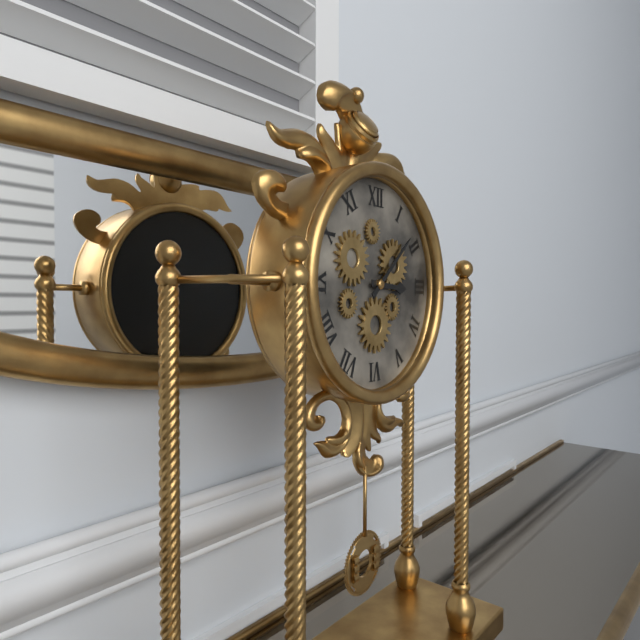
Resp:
3:08
